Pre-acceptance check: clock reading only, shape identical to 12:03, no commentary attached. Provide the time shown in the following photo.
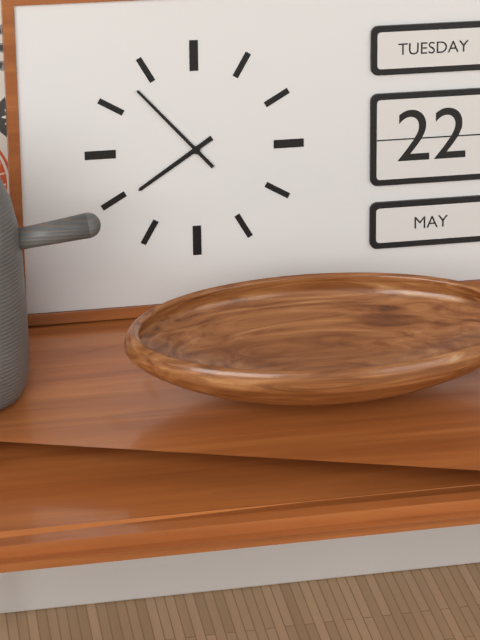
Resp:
7:53
